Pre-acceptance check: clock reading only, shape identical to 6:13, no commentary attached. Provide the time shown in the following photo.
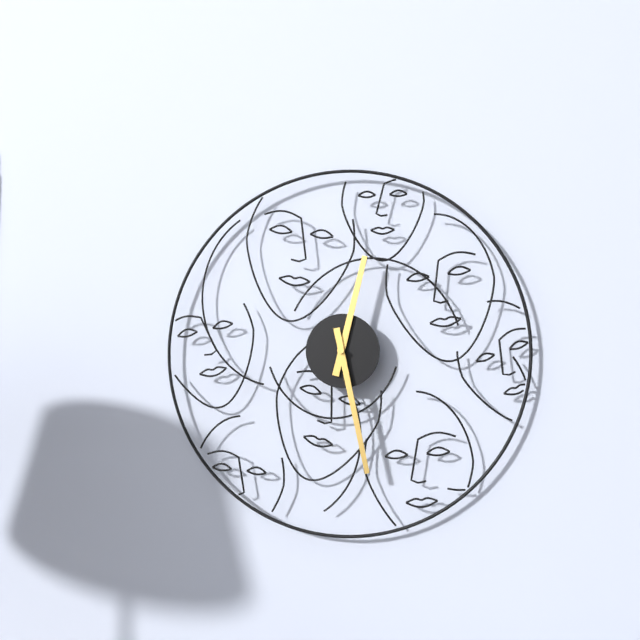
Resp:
12:28
